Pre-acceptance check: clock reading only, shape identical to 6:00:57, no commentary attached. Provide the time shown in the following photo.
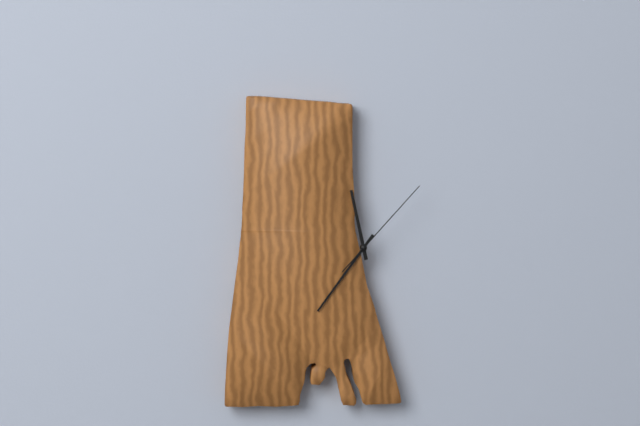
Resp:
11:36:07
